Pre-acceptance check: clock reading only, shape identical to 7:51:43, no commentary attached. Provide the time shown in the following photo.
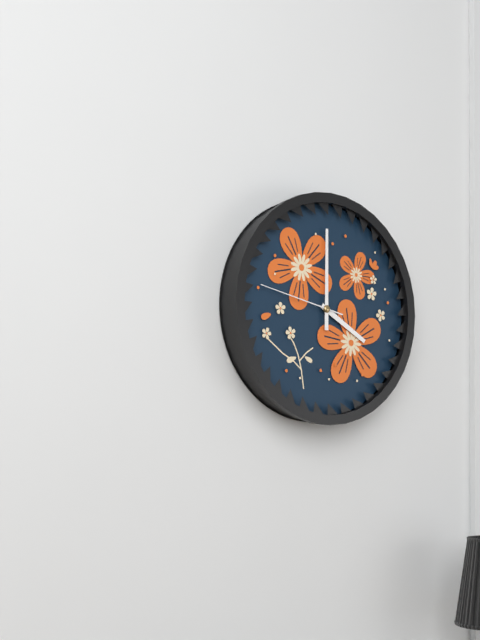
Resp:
4:00:47
